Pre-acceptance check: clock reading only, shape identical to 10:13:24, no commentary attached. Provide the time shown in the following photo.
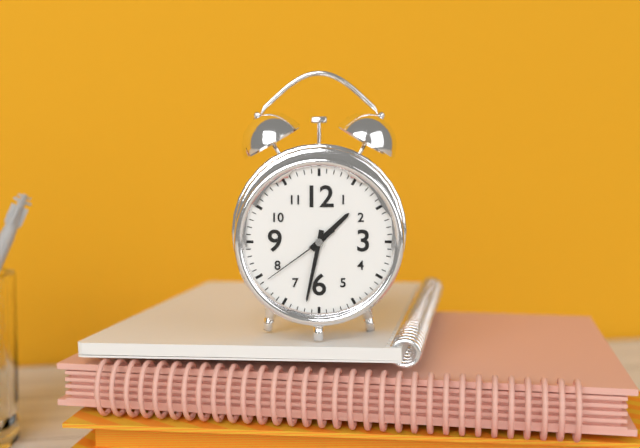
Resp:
1:32:39
